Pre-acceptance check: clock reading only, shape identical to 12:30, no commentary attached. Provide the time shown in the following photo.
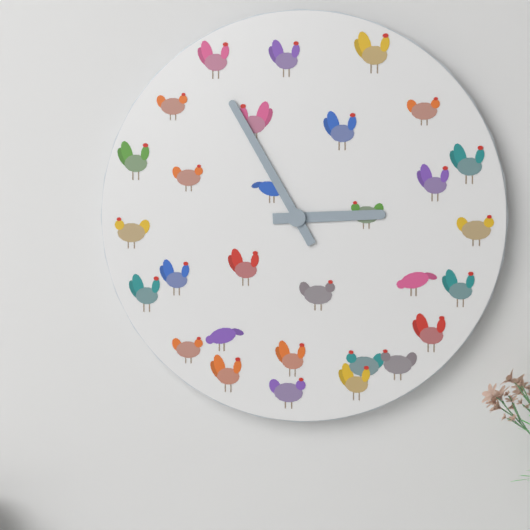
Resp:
2:55
